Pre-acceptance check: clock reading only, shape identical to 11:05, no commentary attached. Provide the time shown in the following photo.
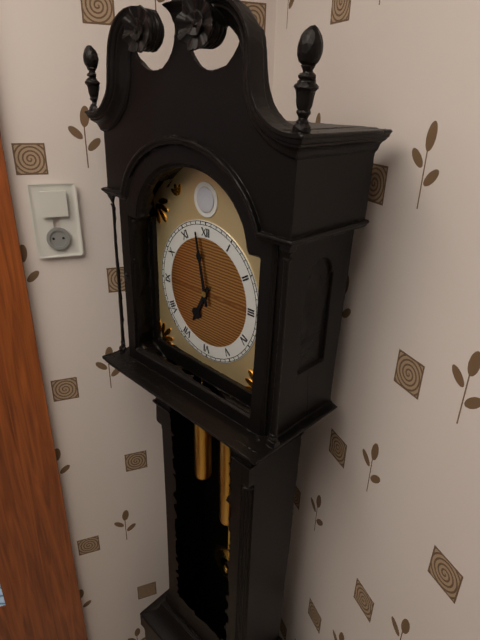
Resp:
6:58
